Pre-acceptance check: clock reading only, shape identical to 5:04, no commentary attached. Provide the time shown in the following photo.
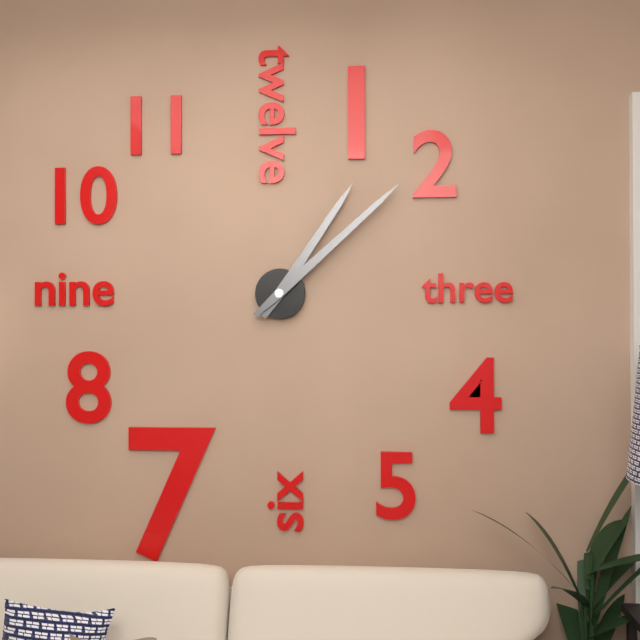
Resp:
1:08
